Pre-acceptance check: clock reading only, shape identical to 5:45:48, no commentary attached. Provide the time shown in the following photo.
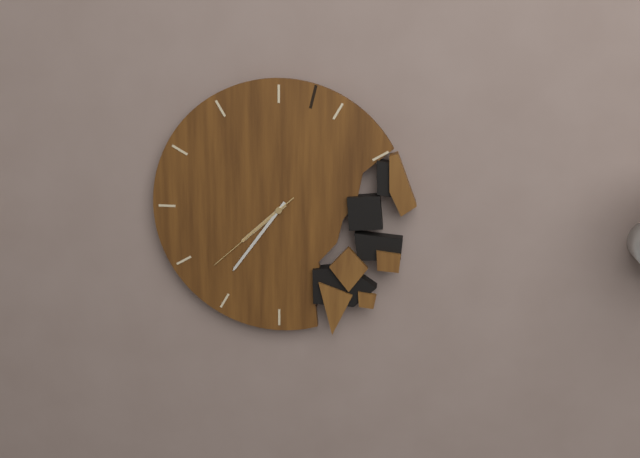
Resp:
7:36:38
